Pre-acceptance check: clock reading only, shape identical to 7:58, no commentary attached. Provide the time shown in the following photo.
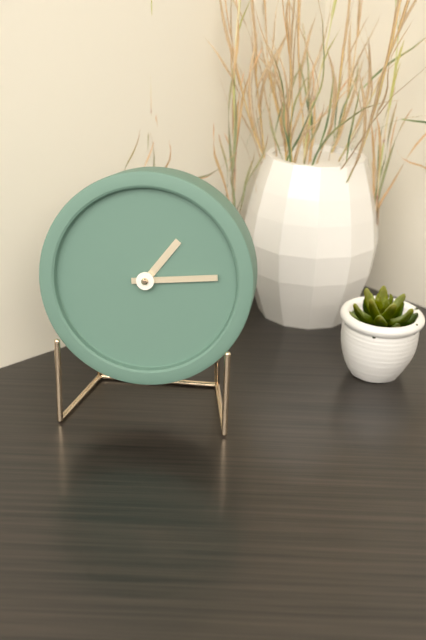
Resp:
1:14
